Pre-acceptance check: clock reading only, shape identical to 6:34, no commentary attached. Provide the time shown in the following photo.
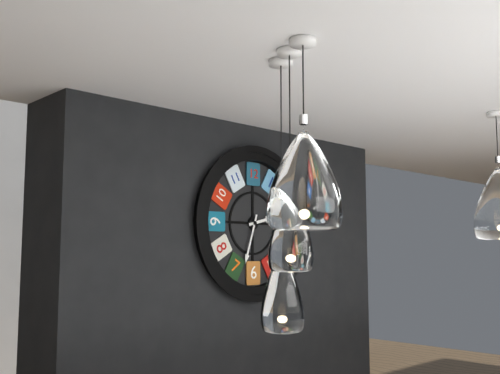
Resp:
2:33
